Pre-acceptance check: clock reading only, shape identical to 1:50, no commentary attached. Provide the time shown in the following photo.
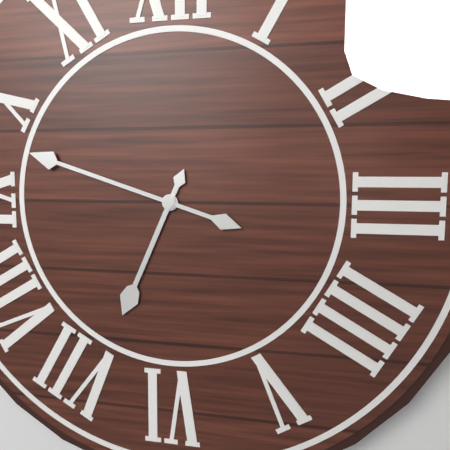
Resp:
6:48
